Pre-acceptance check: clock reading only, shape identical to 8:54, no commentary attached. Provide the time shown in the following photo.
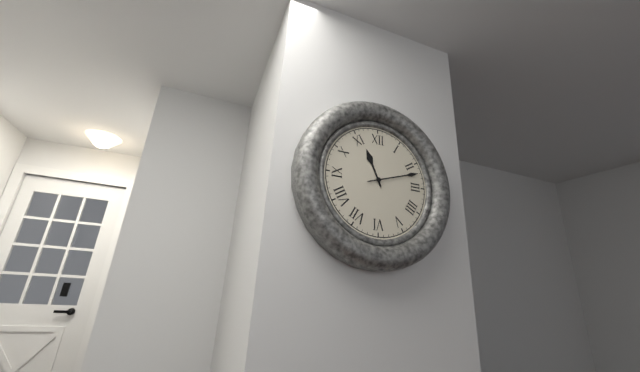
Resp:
11:12
